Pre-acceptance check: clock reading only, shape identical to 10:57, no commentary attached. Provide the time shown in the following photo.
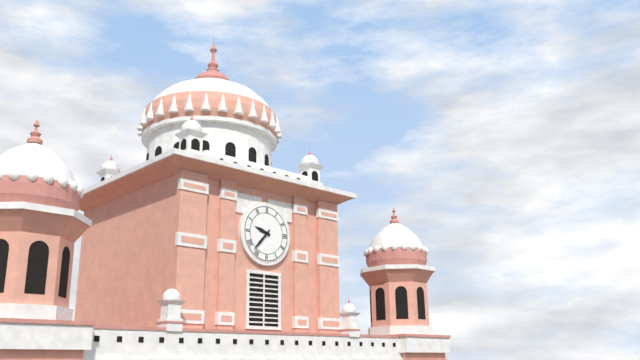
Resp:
9:37
